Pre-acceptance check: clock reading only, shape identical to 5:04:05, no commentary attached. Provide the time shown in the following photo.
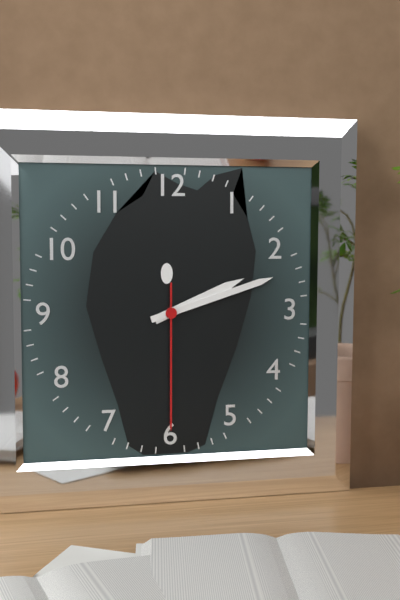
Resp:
2:12:30
